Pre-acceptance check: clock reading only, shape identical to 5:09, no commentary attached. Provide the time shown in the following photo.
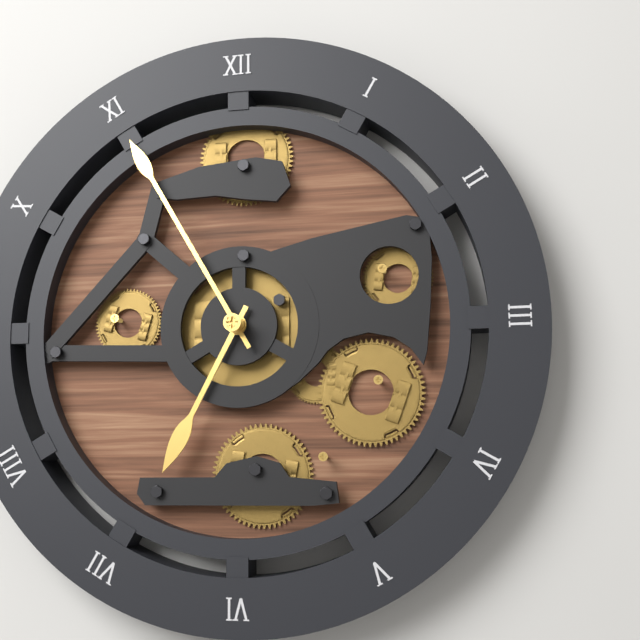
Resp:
6:55
